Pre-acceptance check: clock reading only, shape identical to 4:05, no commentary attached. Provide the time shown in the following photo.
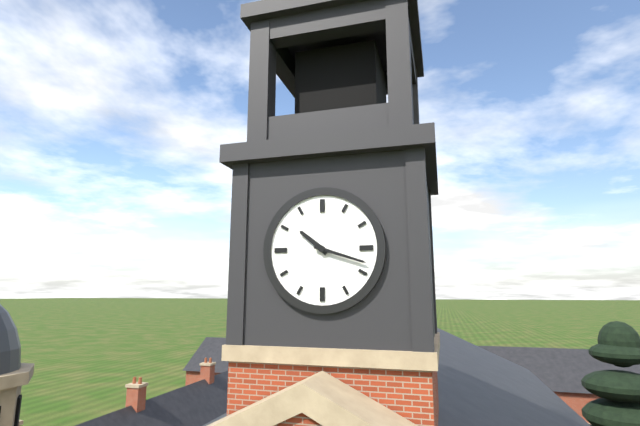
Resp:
10:18
